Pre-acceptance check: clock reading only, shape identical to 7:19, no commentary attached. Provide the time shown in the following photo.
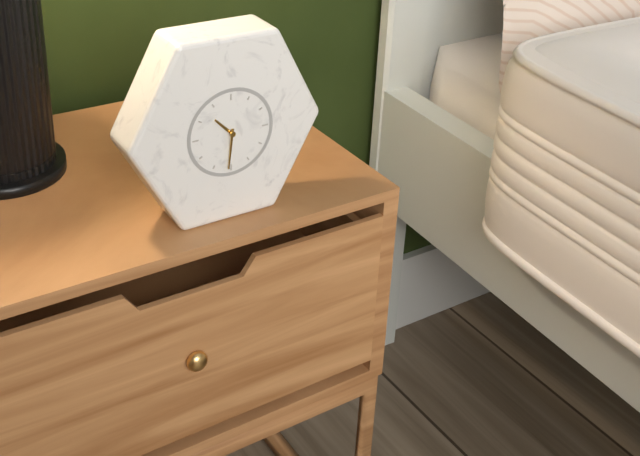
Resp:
10:31
